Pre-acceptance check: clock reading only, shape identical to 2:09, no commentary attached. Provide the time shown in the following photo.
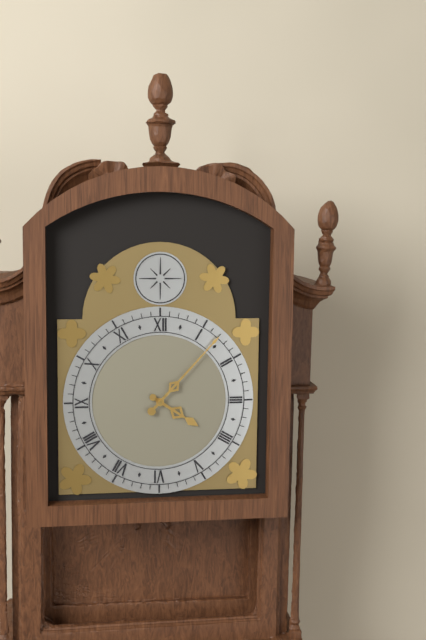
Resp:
4:07
